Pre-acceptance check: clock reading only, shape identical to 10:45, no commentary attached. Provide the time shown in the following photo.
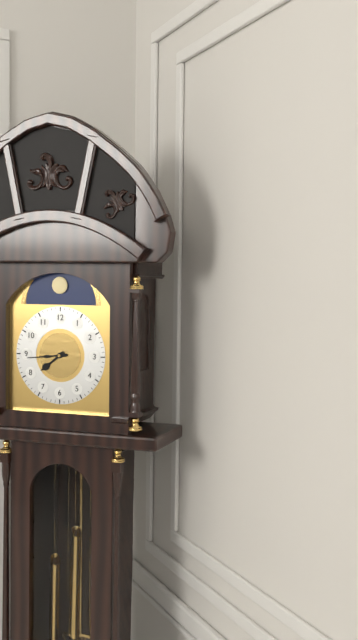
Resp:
7:44
